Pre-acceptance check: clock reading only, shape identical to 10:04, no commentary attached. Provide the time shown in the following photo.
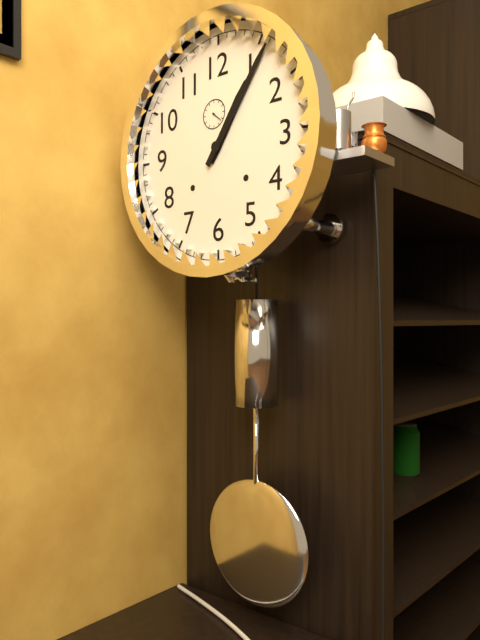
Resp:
1:06
